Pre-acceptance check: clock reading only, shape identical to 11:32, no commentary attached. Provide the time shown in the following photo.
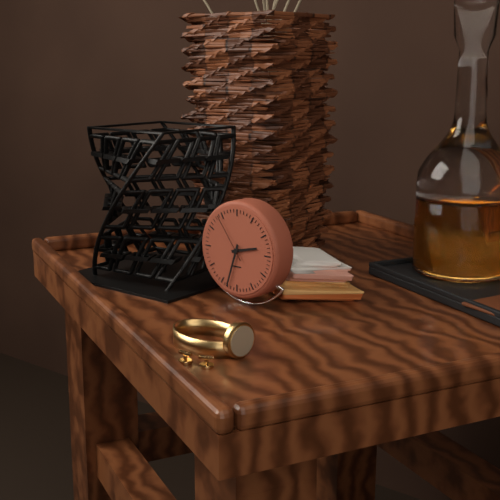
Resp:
2:33
